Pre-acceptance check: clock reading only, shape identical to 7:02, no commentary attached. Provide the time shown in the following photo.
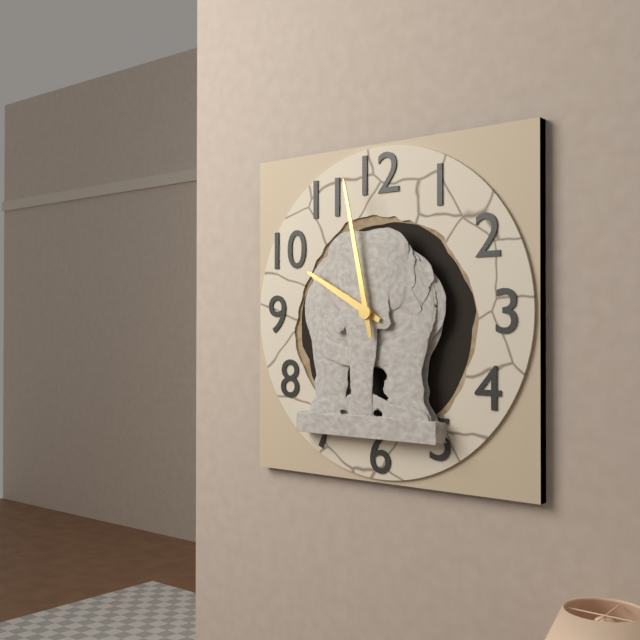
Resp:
9:58
